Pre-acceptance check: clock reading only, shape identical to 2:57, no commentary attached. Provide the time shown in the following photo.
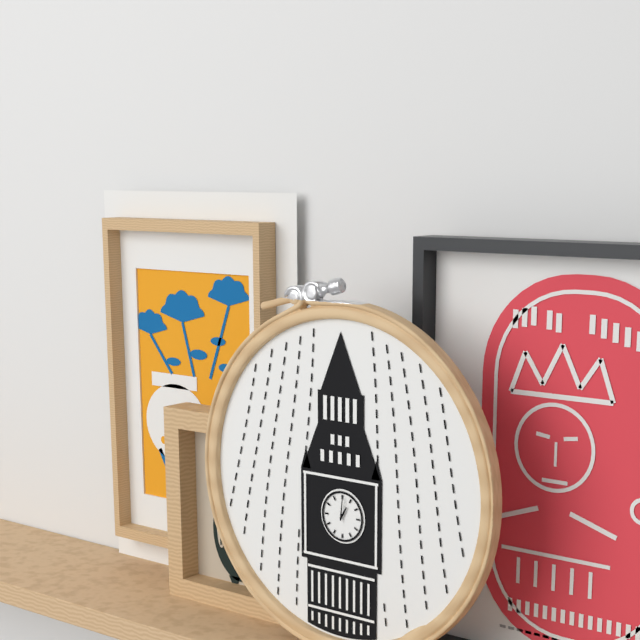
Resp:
1:01
